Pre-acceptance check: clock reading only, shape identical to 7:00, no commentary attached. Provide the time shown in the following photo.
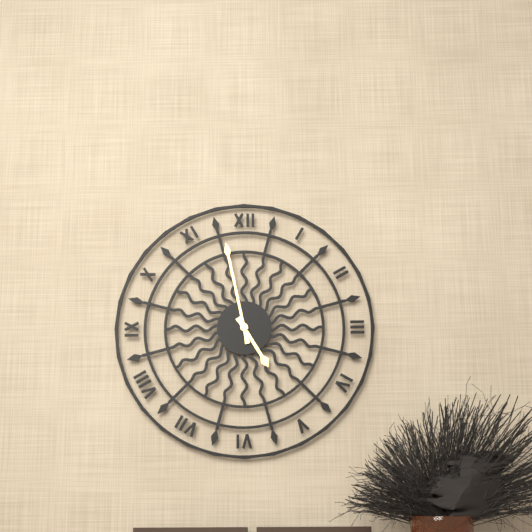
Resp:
4:58
